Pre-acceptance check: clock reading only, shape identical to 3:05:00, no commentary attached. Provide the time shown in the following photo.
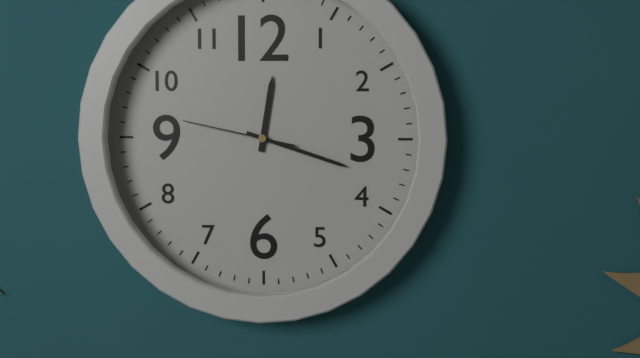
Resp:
12:18:47
